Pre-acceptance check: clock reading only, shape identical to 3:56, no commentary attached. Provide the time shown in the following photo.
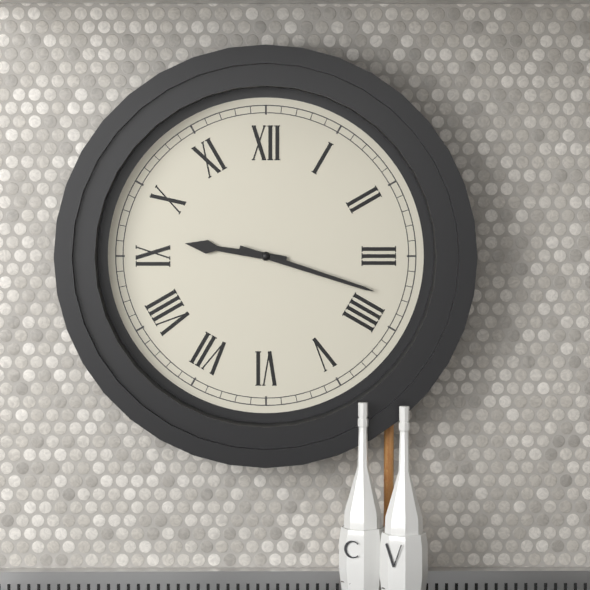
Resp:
9:18
